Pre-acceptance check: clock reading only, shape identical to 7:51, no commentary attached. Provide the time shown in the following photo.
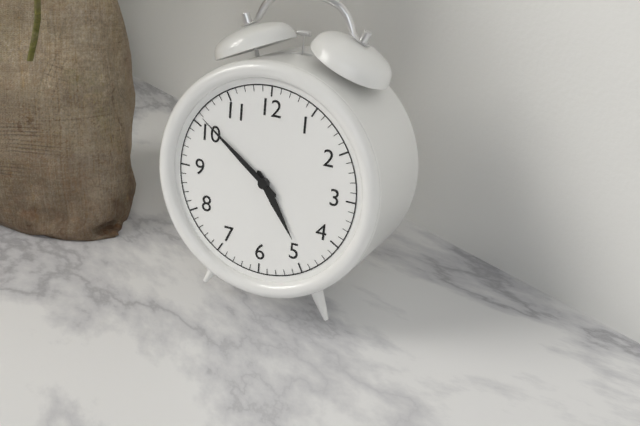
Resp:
4:51
